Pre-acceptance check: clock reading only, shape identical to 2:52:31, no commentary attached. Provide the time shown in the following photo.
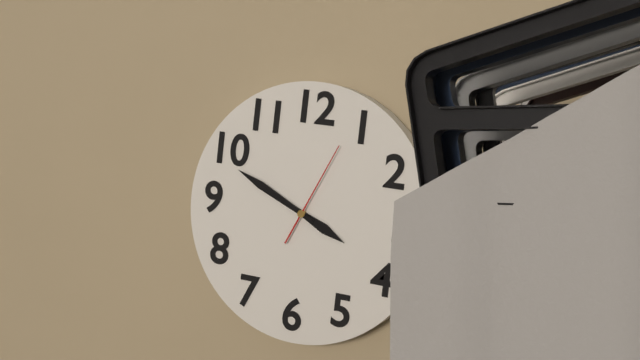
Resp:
3:49:04
